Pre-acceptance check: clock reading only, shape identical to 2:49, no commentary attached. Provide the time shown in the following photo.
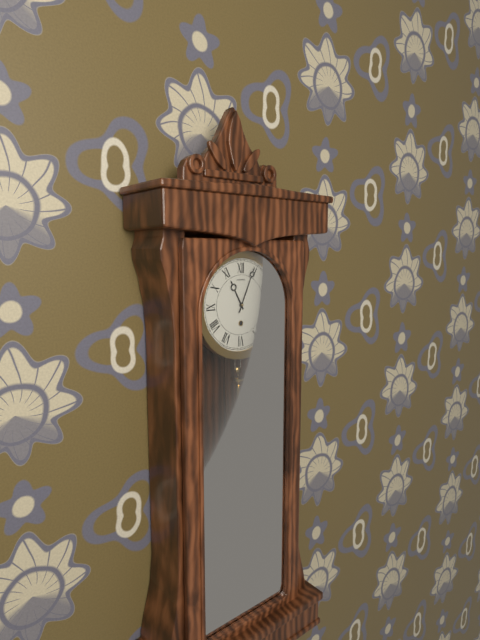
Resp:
11:04
